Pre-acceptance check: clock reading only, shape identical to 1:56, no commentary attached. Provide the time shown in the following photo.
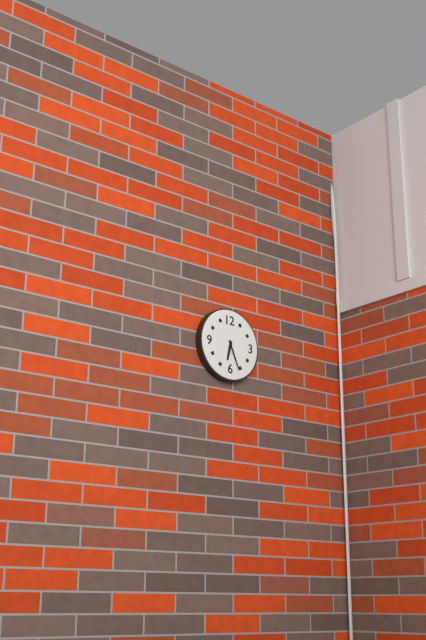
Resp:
6:26
